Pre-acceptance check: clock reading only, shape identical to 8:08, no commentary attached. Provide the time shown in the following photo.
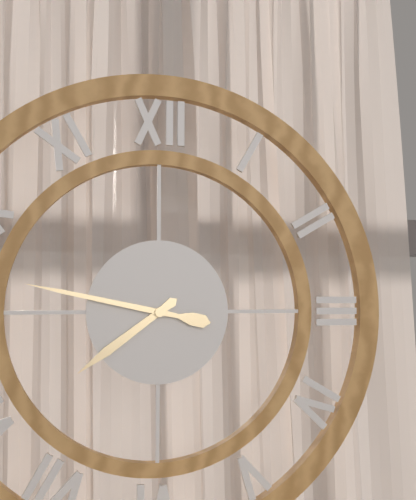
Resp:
7:47
